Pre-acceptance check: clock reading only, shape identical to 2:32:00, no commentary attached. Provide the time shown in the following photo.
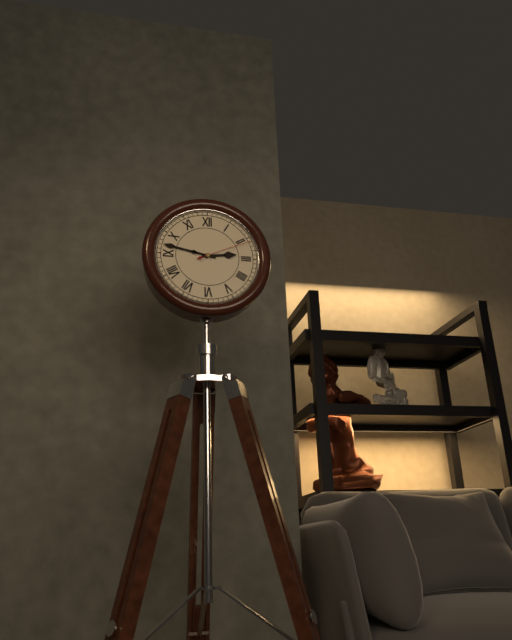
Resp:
2:47:11
